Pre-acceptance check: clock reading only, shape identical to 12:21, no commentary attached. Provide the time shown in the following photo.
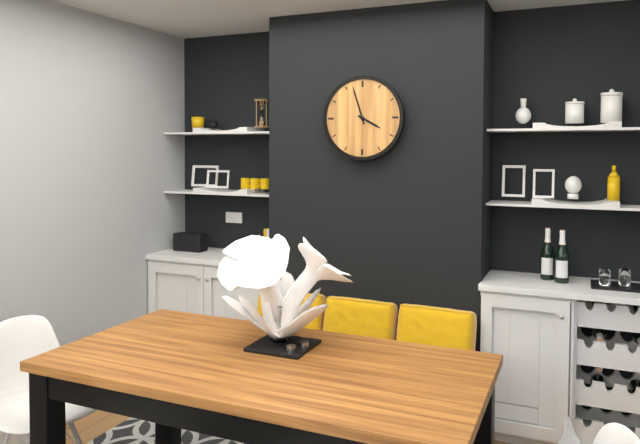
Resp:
3:57
